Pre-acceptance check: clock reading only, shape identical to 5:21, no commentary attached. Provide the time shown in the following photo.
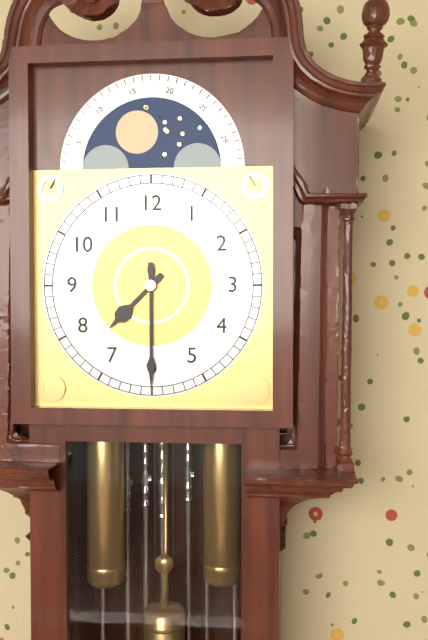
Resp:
7:30
